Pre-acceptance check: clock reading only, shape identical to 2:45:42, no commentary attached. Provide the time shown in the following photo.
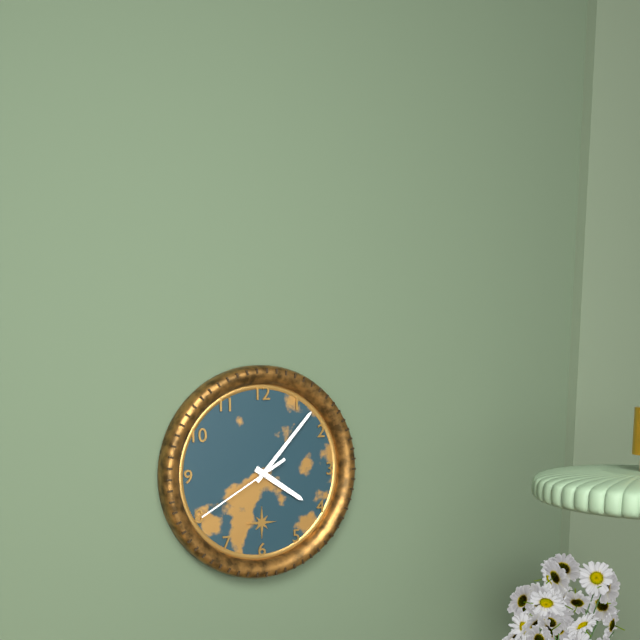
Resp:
4:07:40
